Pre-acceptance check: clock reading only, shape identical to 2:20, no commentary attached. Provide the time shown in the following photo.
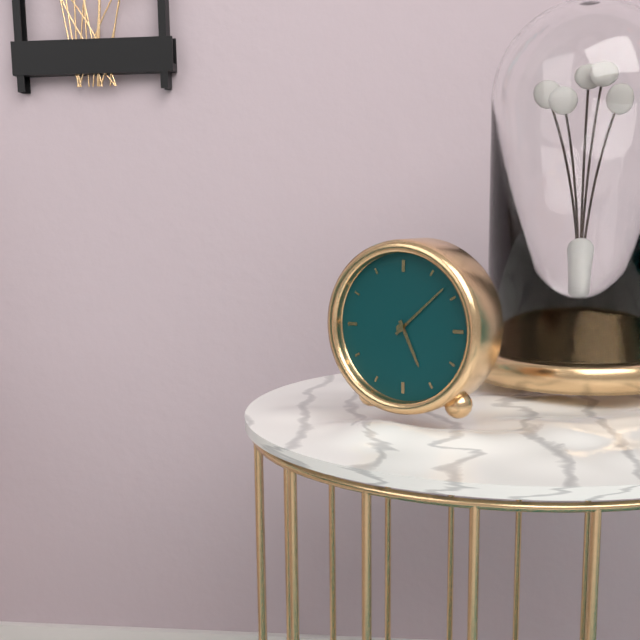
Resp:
5:08
